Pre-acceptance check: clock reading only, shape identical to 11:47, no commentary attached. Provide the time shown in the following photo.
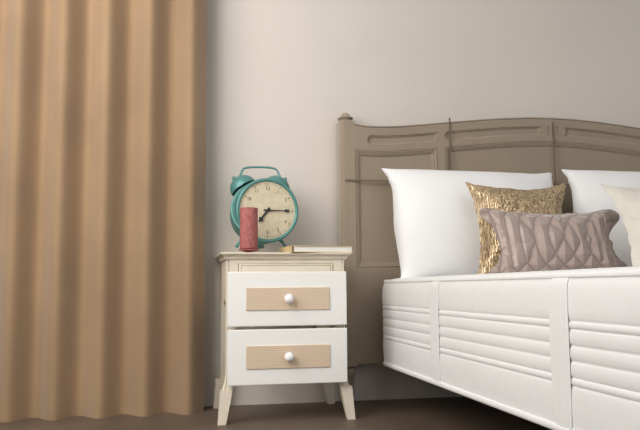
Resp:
7:15
